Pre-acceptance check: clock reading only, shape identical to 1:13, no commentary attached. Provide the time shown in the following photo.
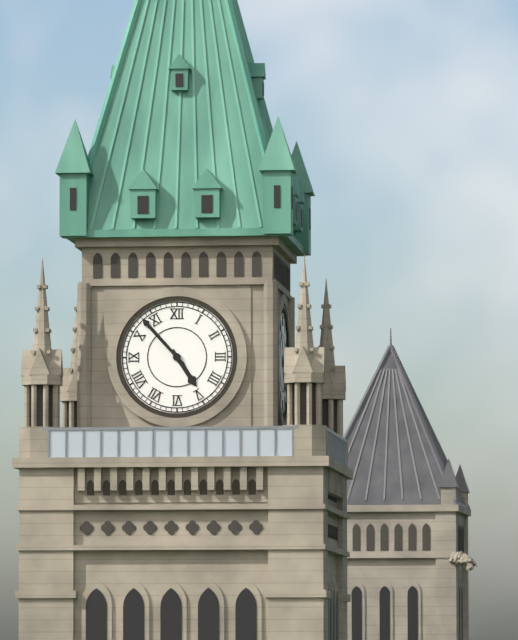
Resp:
4:53
